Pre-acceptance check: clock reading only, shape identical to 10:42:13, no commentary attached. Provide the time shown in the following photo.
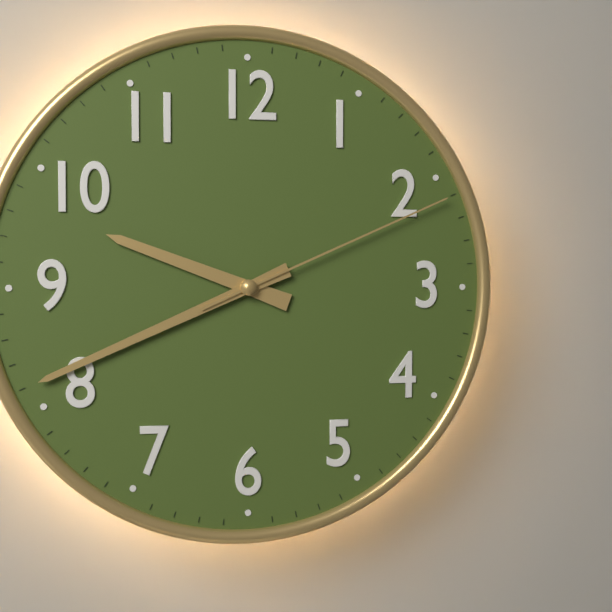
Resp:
9:41:11
